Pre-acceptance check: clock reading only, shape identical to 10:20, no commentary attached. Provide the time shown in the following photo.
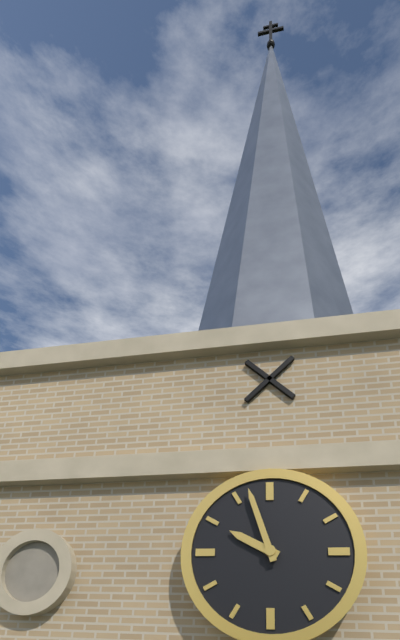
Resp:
9:57
